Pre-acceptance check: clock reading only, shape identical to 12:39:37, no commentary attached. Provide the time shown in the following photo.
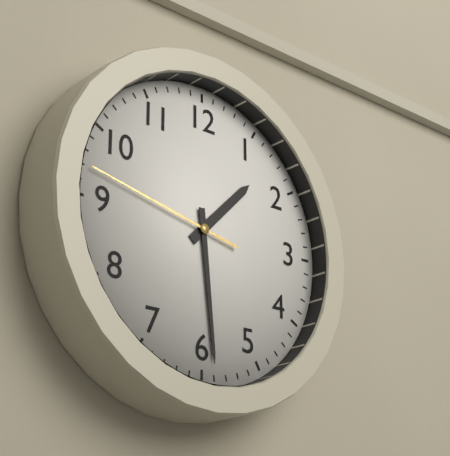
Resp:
1:29:47
